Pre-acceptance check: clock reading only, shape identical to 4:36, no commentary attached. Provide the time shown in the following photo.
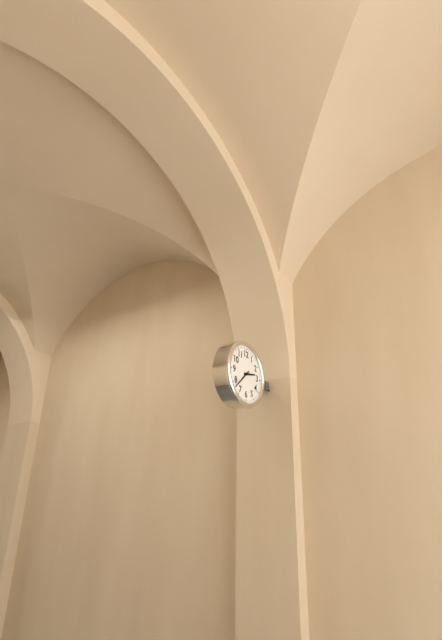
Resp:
2:38
